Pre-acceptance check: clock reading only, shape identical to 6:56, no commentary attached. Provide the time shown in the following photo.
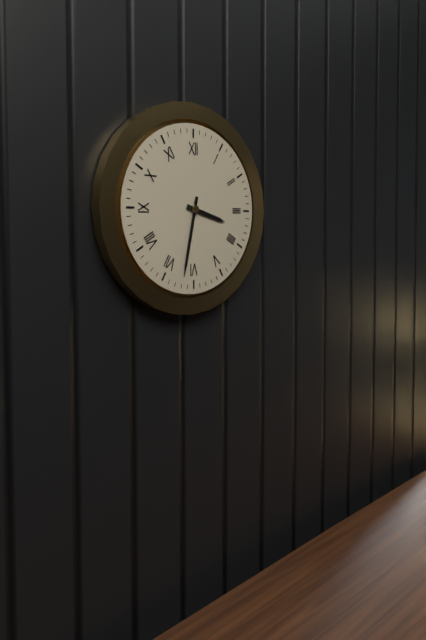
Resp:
3:32
